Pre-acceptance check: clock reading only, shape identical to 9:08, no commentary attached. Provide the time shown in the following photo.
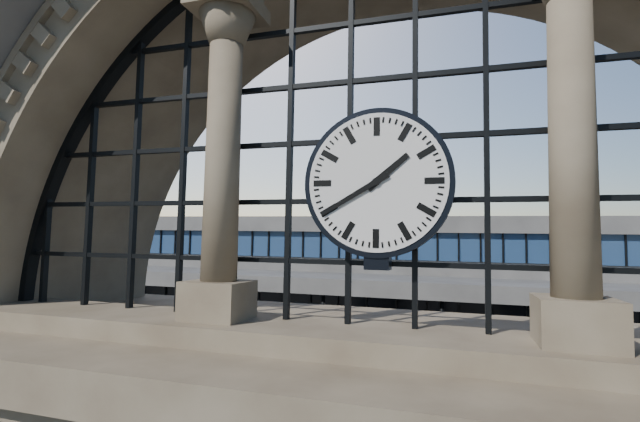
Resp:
1:40
